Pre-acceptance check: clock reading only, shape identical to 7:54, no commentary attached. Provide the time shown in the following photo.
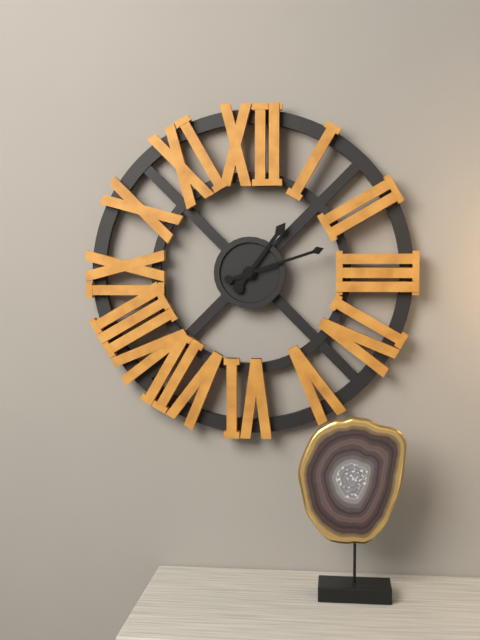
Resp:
1:12
